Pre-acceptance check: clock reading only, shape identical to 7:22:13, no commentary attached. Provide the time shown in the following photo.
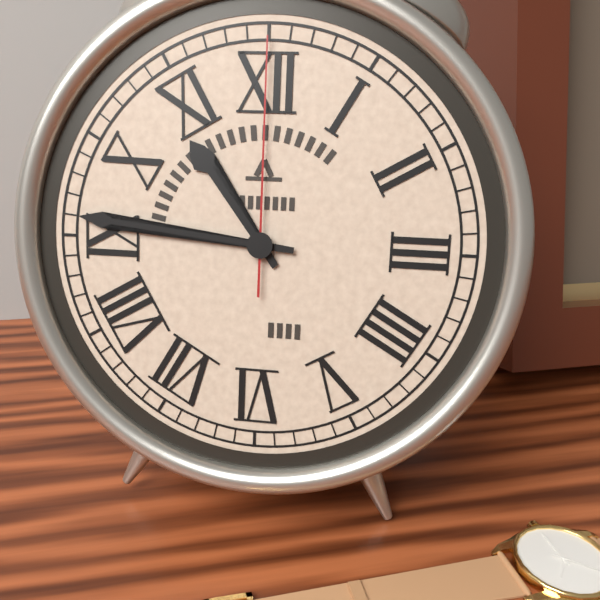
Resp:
10:46:00
